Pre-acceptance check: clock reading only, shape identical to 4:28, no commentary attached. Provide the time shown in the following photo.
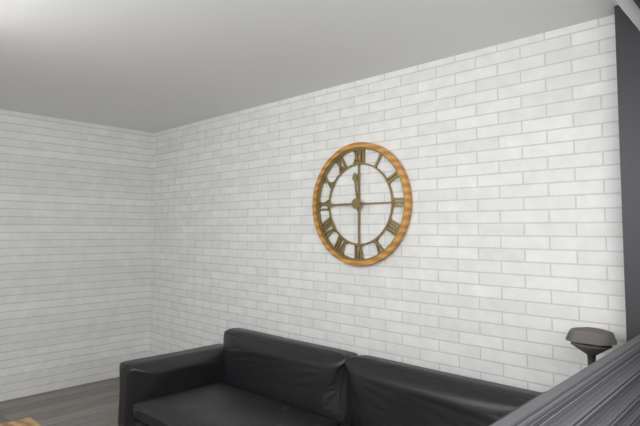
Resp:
11:45
